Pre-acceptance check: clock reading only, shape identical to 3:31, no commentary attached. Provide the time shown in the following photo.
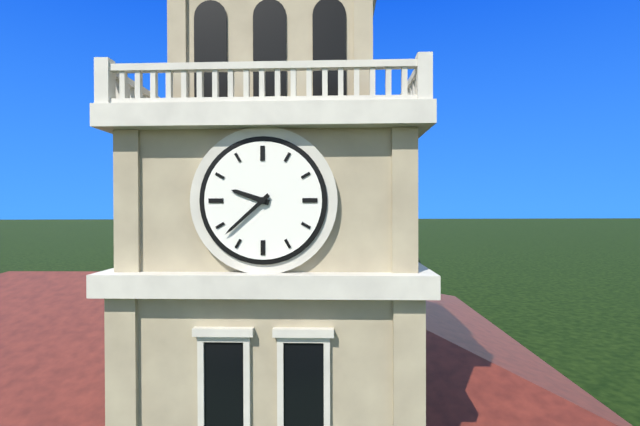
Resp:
9:38
